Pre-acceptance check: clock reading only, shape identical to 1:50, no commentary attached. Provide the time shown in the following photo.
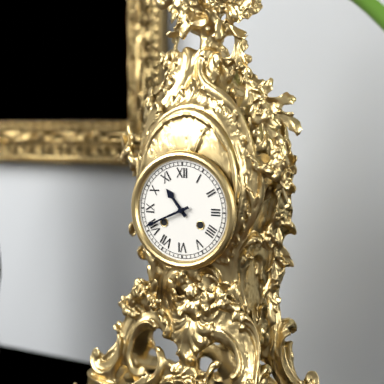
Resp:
10:41
